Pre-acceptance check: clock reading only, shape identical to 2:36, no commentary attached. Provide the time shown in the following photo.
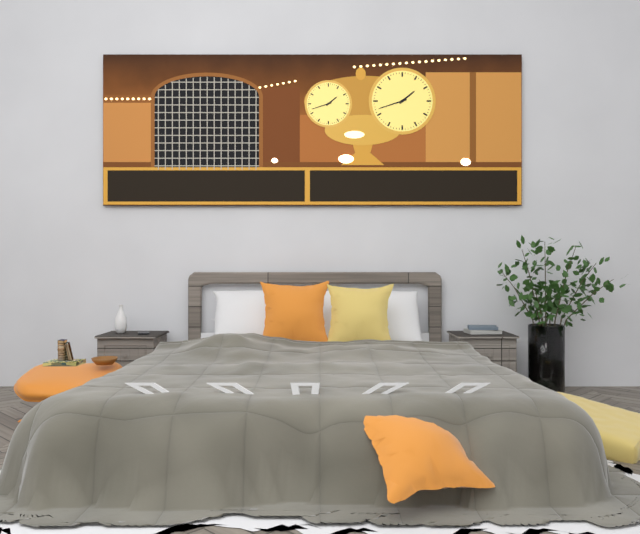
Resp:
1:42
